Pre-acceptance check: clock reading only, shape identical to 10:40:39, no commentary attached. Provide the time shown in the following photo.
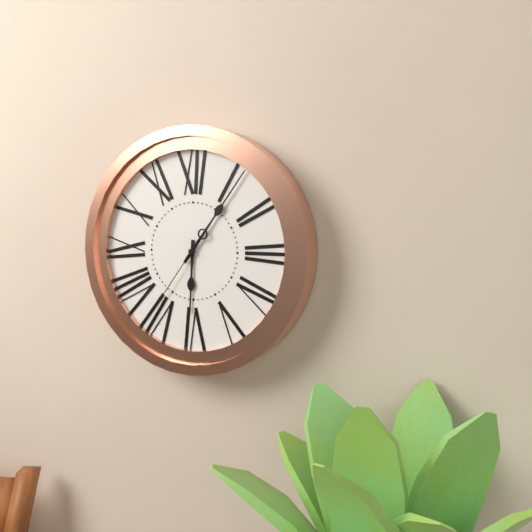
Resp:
6:06:36
